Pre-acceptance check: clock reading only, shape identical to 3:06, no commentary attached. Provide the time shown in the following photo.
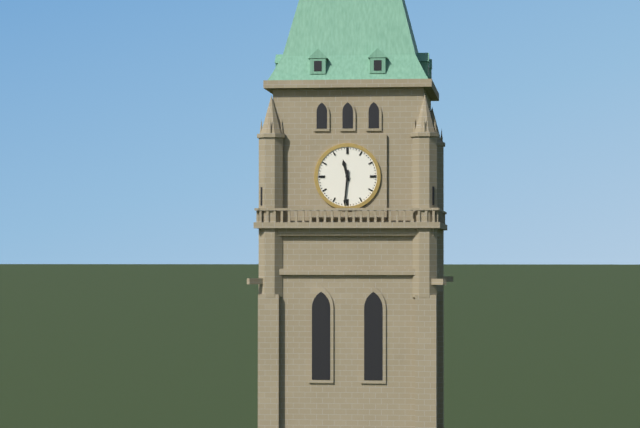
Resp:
11:31
